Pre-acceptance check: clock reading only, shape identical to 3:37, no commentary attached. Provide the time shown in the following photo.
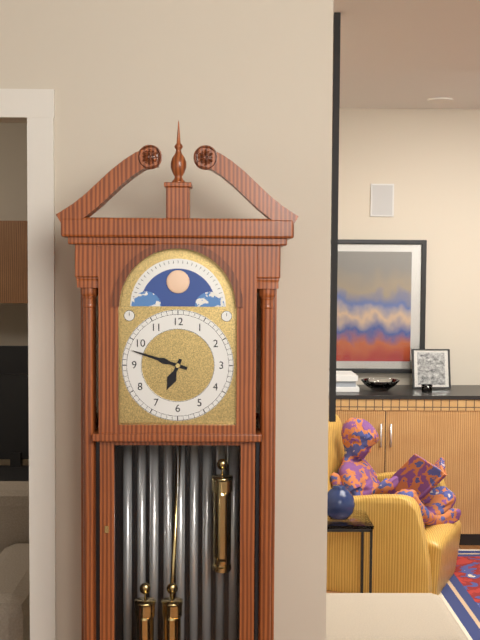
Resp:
6:48
